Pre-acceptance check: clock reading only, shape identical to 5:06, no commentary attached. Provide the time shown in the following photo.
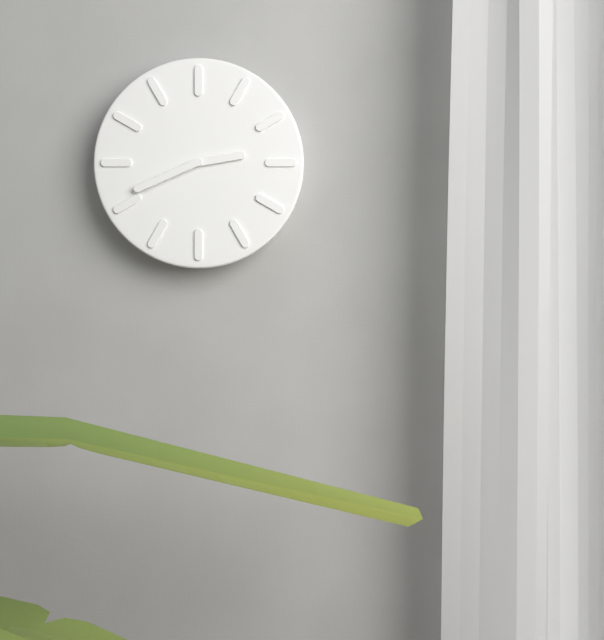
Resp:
2:41
